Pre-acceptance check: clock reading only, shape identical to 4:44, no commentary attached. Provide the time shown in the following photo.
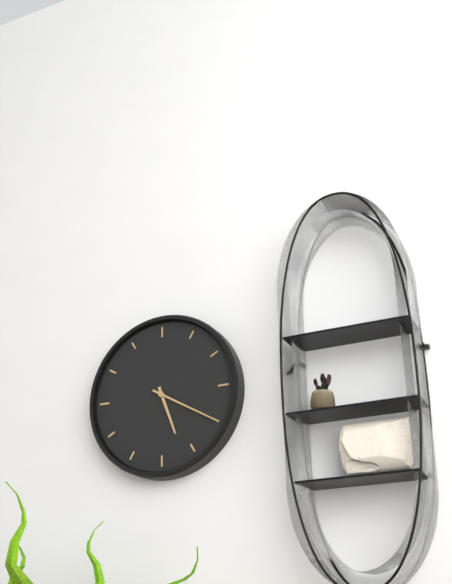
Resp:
5:20
